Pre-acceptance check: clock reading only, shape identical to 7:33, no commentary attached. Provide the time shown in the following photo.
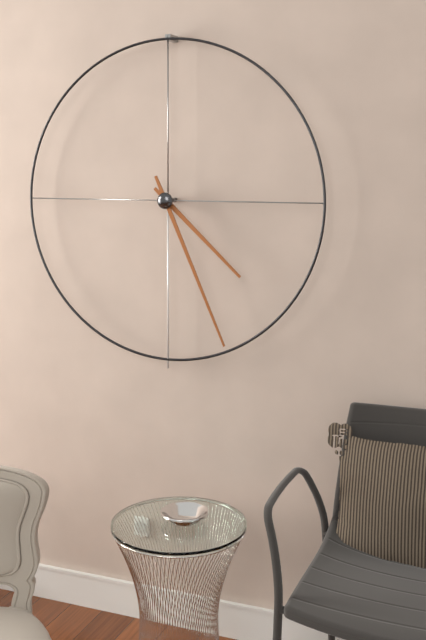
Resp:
4:26
